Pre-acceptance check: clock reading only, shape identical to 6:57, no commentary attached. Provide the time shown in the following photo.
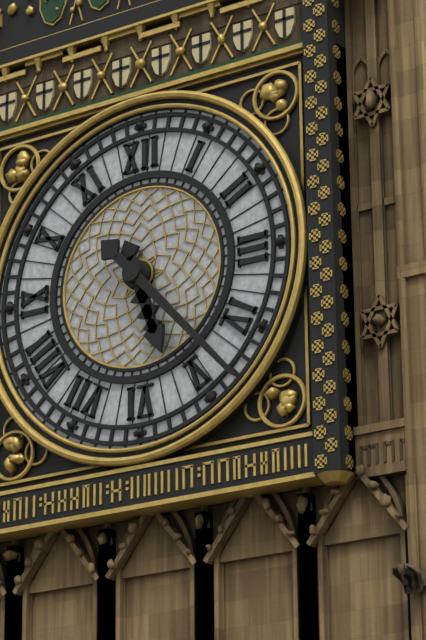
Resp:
5:23
